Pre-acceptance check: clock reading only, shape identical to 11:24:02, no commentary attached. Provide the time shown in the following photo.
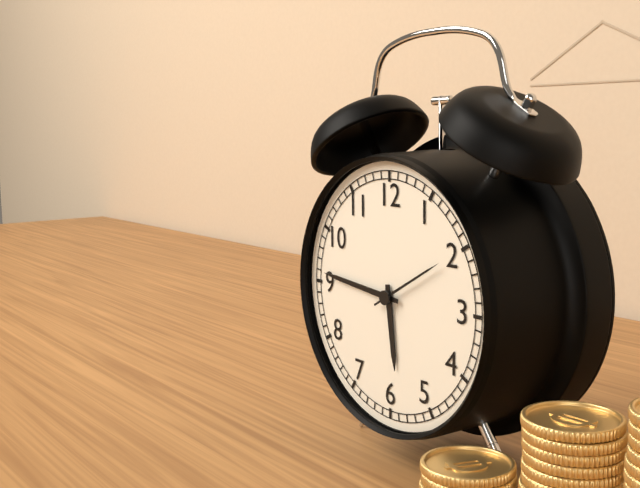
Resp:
5:46:10
